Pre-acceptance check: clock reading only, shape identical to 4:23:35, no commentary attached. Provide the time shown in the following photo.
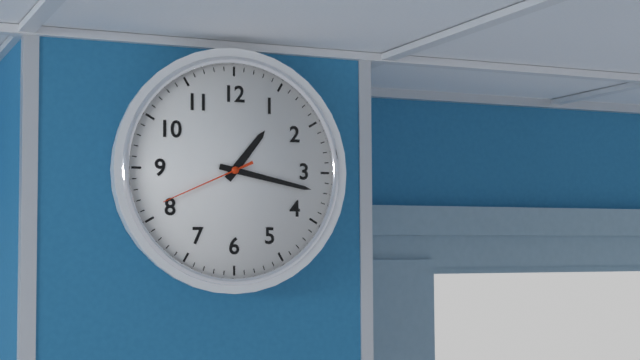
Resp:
1:17:41
